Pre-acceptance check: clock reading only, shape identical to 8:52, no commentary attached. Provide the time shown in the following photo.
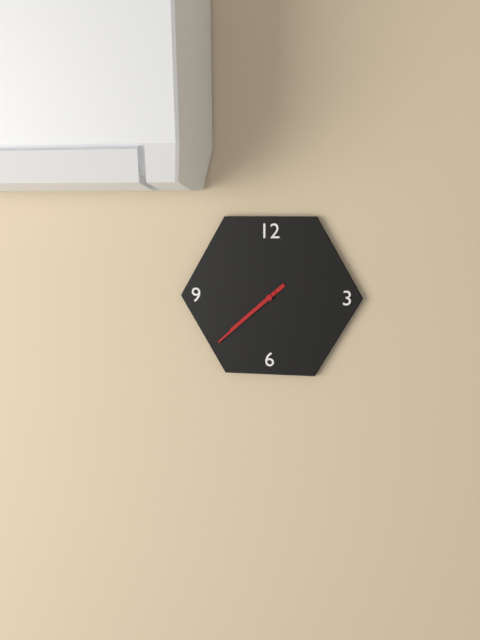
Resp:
7:38
